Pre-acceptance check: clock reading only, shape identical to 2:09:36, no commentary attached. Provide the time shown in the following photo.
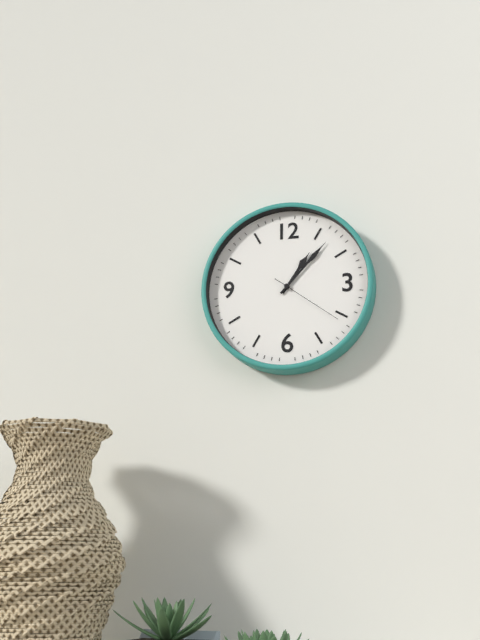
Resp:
1:07:21
